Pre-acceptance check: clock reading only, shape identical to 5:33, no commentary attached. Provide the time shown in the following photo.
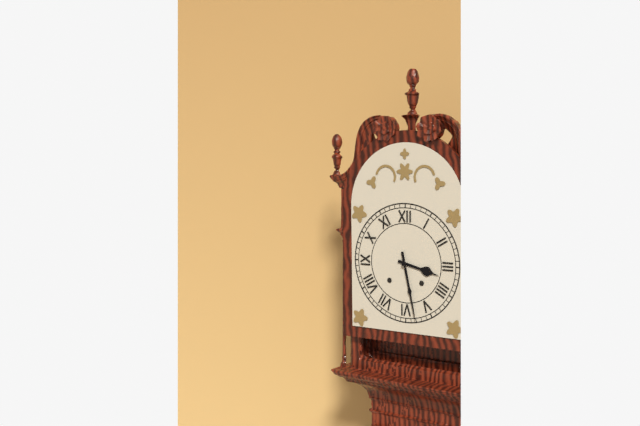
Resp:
3:28
